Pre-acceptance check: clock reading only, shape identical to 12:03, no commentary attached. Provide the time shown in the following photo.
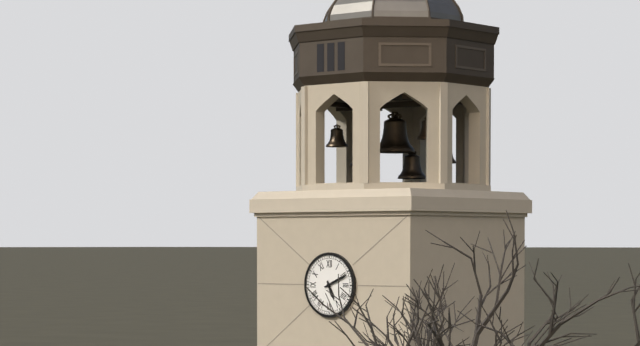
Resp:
5:11
